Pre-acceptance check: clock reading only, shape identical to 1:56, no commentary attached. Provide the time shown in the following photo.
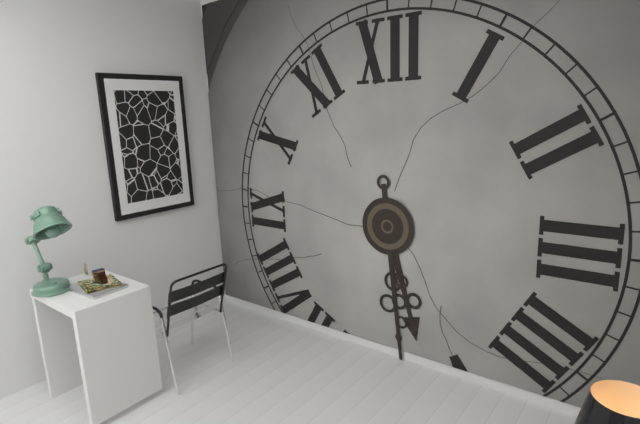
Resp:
5:29
